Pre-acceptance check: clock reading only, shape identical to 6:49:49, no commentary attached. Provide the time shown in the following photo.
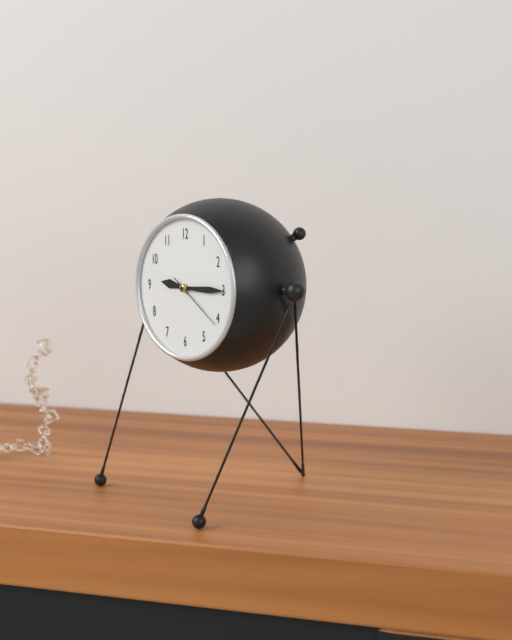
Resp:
9:15:21
